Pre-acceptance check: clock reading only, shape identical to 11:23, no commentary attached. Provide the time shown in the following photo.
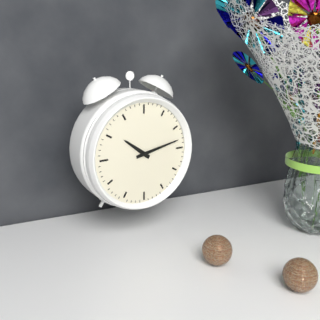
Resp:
10:13
